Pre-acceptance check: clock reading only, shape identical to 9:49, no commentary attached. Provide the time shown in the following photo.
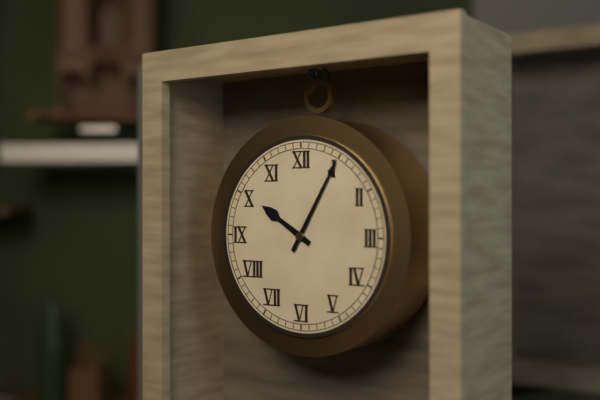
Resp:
10:05
